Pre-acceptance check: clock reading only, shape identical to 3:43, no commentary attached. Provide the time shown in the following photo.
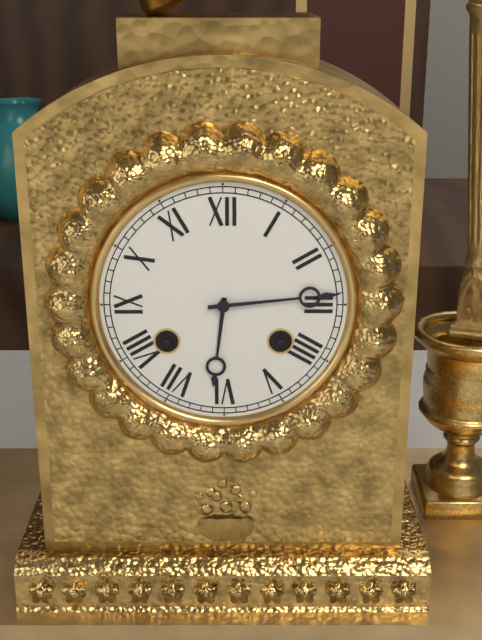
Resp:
6:14
